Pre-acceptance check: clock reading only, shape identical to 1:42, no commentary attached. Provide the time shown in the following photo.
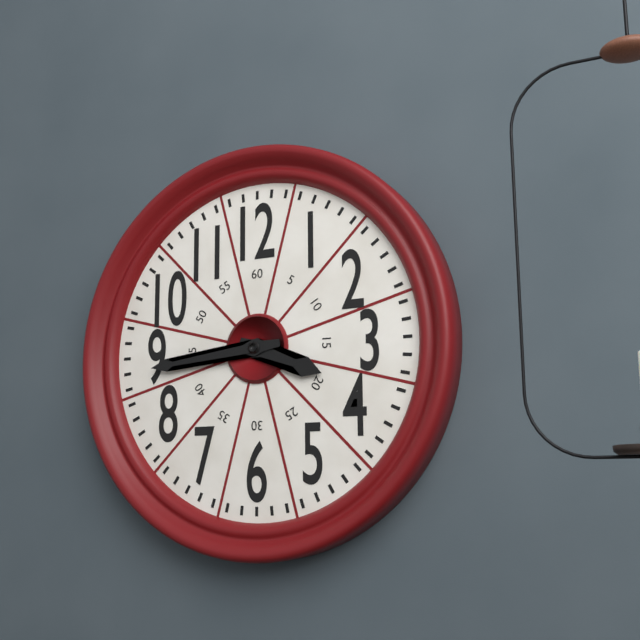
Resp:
3:44
